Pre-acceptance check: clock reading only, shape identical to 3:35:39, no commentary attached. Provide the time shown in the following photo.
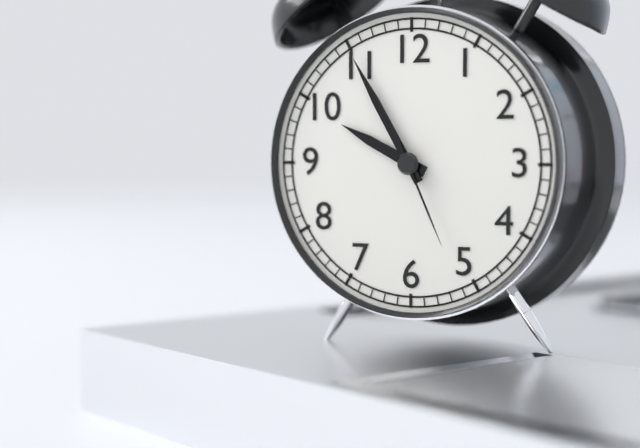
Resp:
9:55:26
